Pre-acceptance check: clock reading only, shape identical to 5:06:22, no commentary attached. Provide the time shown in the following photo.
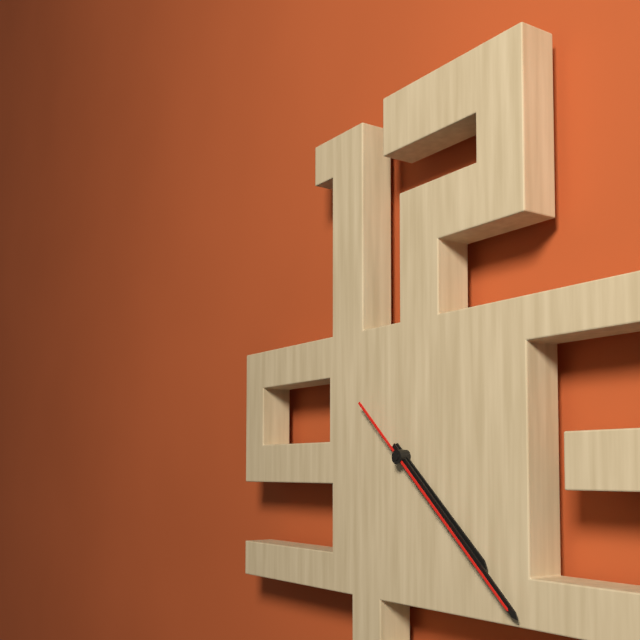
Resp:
4:22:22
